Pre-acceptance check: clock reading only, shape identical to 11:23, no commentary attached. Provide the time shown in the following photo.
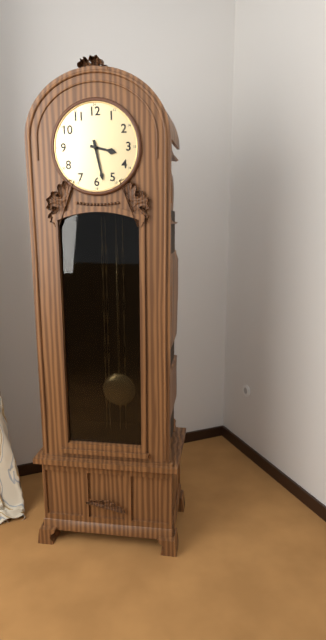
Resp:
3:28
